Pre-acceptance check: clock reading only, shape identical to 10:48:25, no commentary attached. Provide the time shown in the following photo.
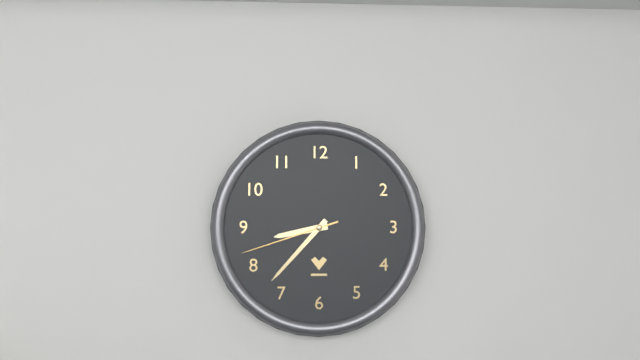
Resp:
8:37:42
